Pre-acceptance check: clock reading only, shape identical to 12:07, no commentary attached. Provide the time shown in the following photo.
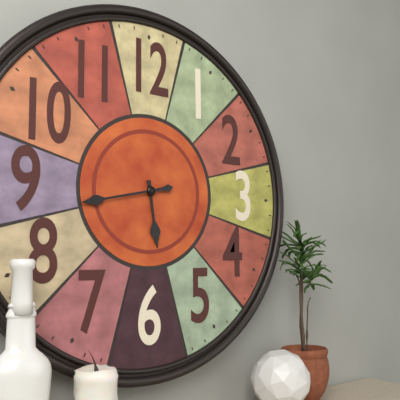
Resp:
5:43
